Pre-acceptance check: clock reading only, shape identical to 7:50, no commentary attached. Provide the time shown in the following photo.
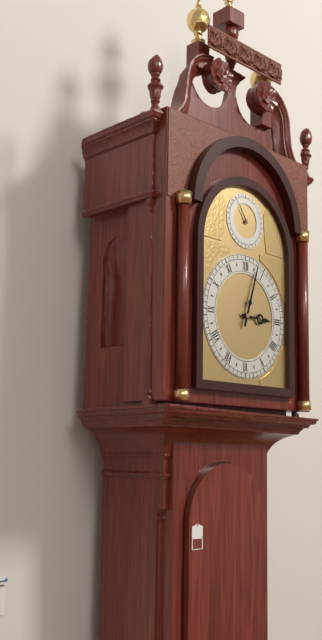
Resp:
3:03
